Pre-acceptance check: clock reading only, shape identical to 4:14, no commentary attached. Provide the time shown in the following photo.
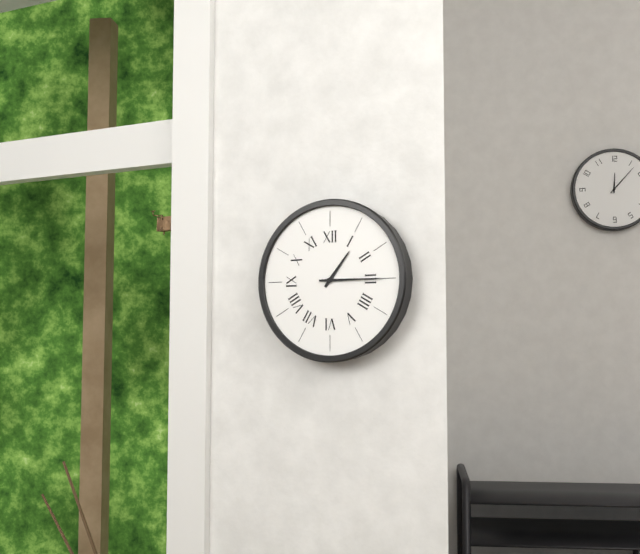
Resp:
1:15
